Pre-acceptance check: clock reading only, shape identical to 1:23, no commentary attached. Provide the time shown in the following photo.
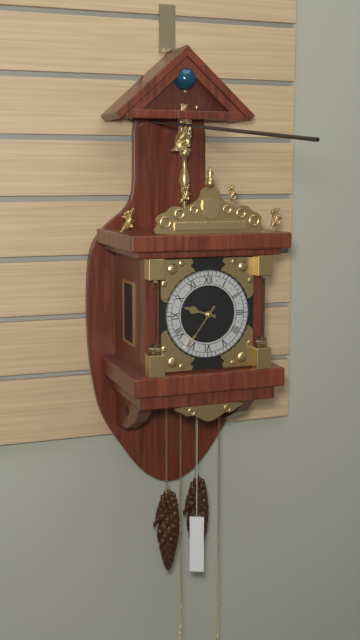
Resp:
9:36
